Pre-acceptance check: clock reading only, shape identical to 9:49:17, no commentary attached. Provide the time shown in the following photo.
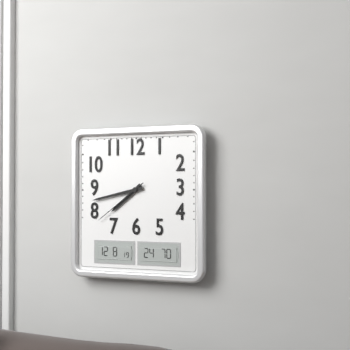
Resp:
7:43:39
